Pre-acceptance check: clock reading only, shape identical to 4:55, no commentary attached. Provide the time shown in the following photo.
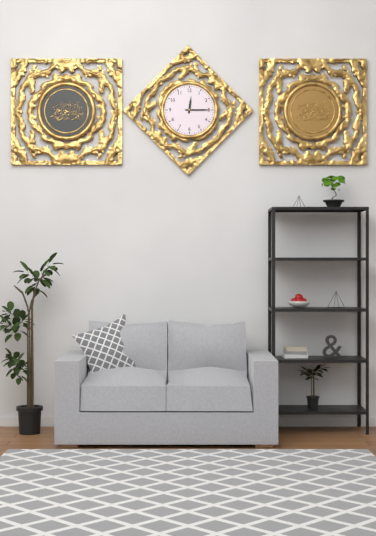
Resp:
12:15
